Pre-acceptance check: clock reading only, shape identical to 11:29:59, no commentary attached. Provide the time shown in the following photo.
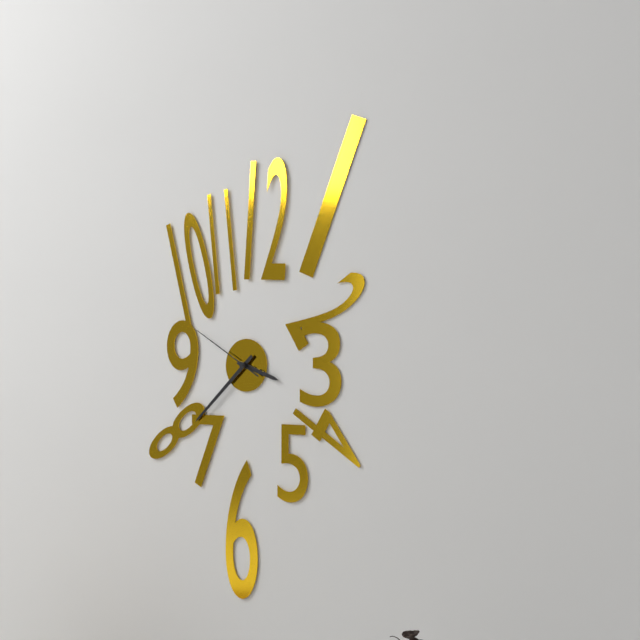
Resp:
3:38:50
